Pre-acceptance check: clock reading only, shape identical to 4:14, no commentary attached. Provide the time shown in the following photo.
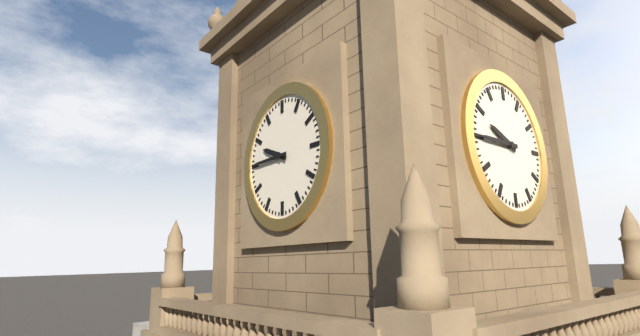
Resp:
9:45
